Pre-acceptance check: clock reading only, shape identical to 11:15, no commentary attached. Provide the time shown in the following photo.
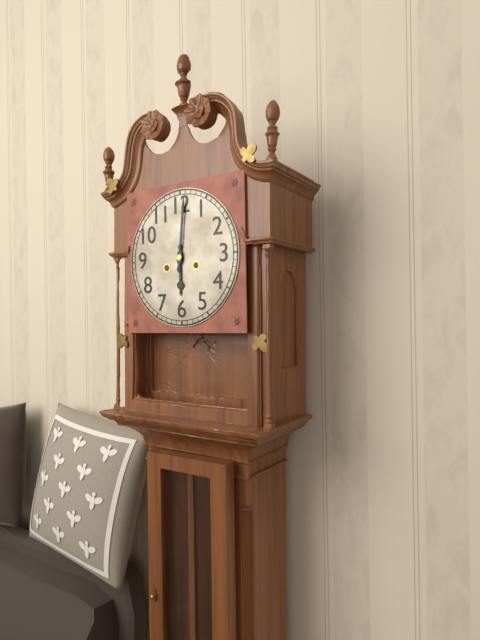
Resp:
6:01
